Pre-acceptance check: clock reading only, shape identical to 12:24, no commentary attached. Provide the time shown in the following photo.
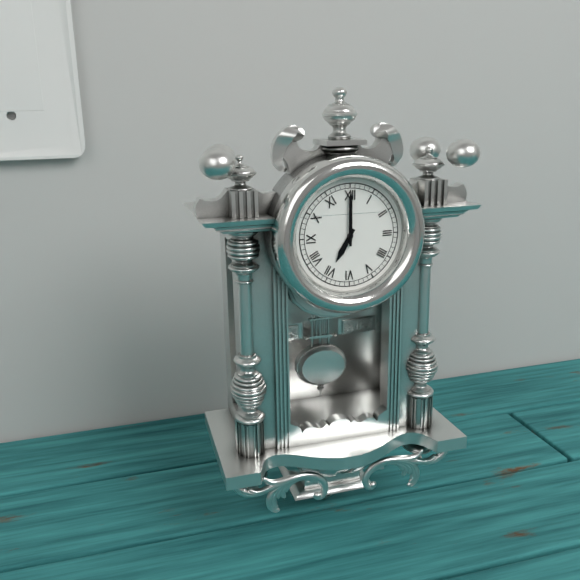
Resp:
7:00
